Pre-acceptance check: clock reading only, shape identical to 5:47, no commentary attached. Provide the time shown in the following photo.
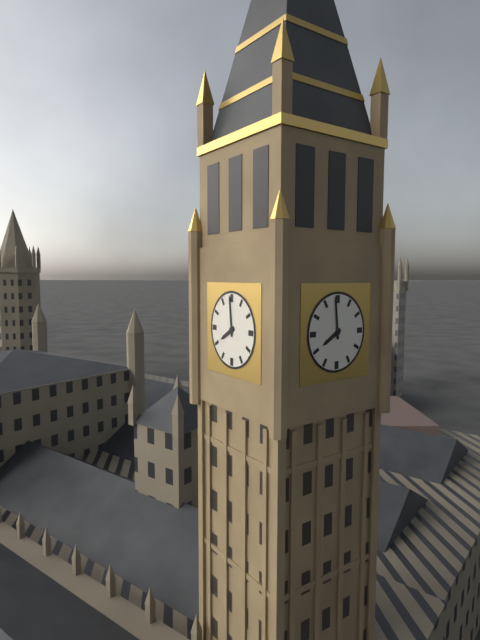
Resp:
7:59
